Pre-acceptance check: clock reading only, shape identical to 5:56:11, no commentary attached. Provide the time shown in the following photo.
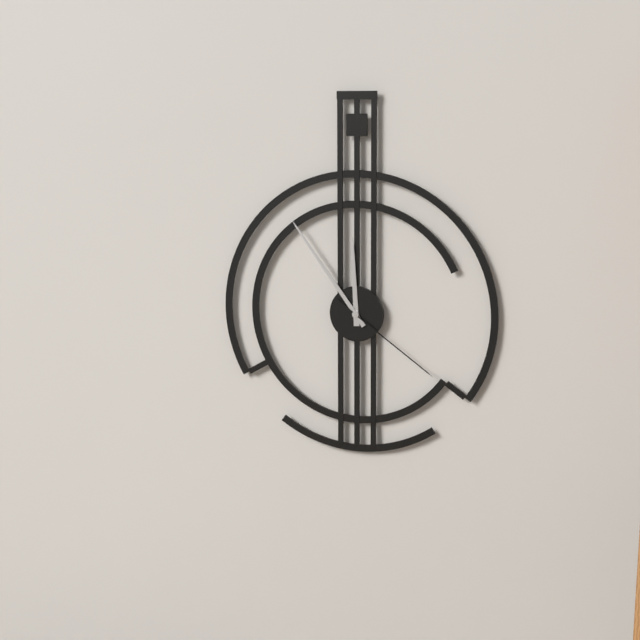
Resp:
11:54:21
